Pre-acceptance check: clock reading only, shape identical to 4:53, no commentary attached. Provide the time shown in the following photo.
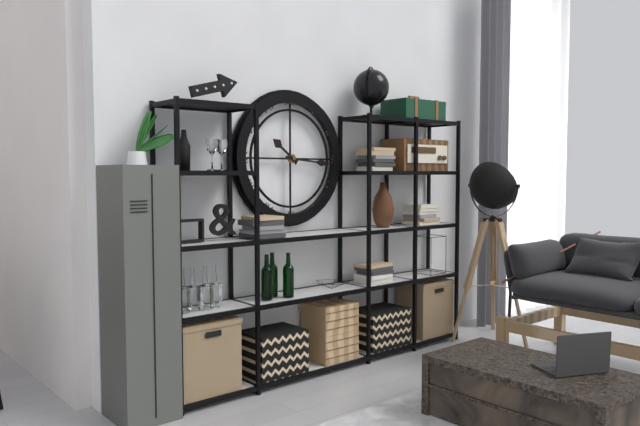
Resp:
10:16
